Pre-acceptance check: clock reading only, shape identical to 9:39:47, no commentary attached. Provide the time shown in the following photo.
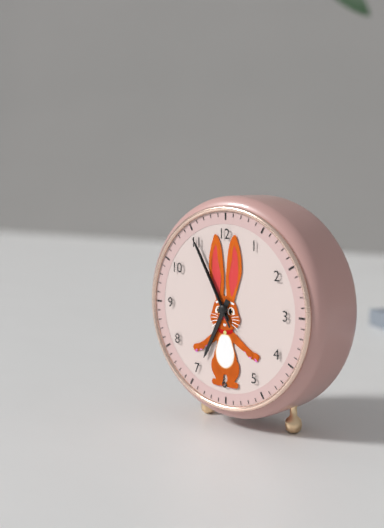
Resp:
6:55:55
